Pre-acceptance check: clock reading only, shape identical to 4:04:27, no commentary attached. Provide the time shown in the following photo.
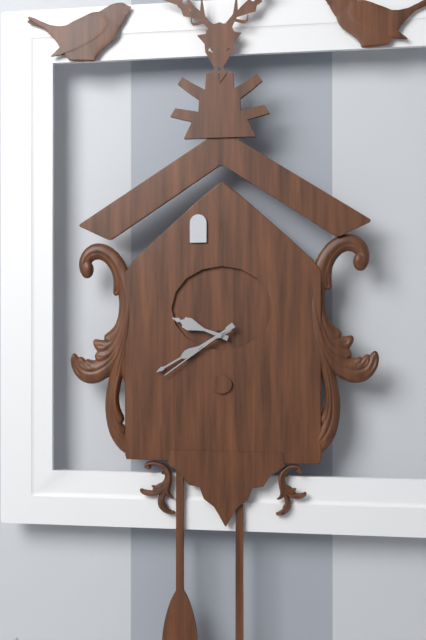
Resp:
9:40:39
